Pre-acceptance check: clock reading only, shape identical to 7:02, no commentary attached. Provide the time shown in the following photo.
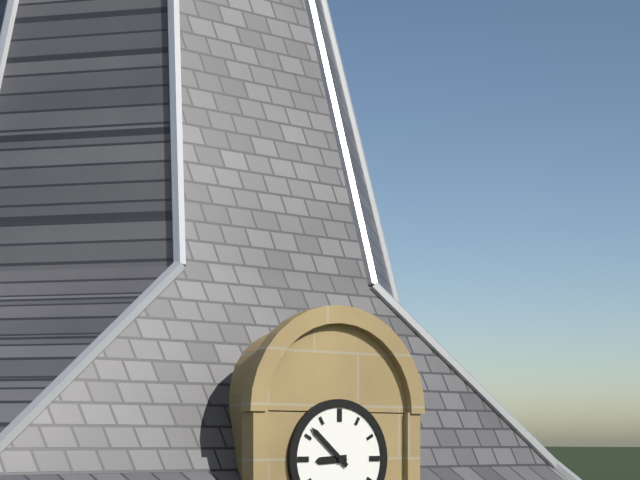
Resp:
8:52
